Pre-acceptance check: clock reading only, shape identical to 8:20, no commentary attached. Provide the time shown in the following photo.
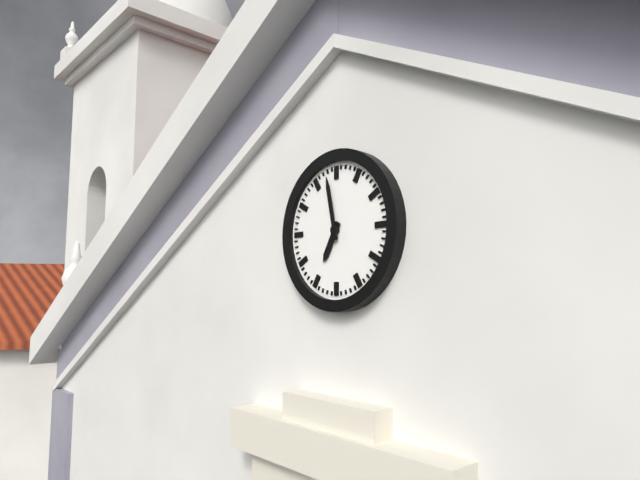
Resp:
6:58
